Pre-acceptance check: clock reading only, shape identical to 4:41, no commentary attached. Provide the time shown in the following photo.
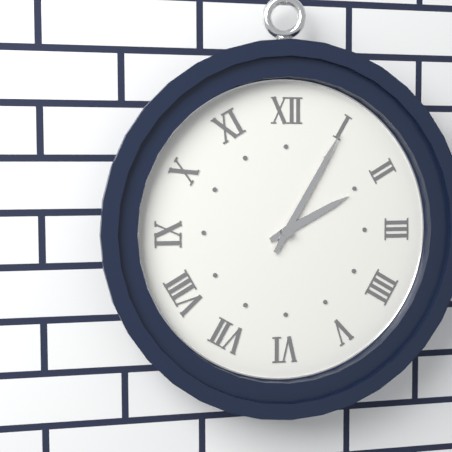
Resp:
2:05
